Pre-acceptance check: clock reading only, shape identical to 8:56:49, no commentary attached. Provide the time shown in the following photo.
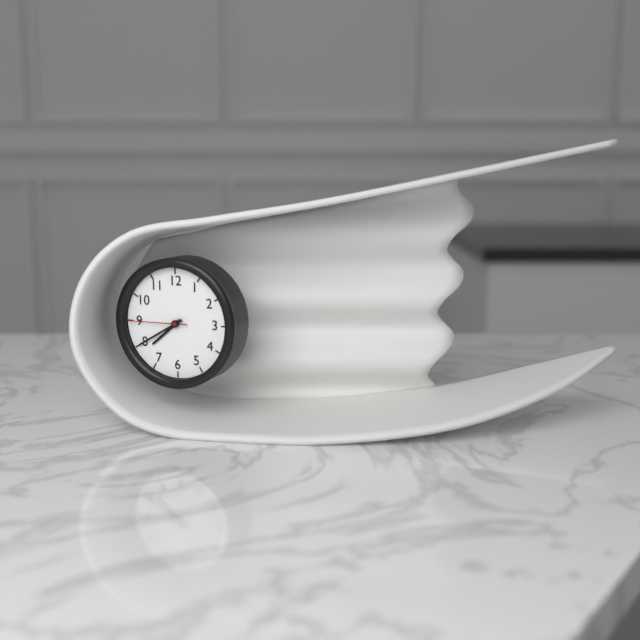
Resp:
7:40:45
